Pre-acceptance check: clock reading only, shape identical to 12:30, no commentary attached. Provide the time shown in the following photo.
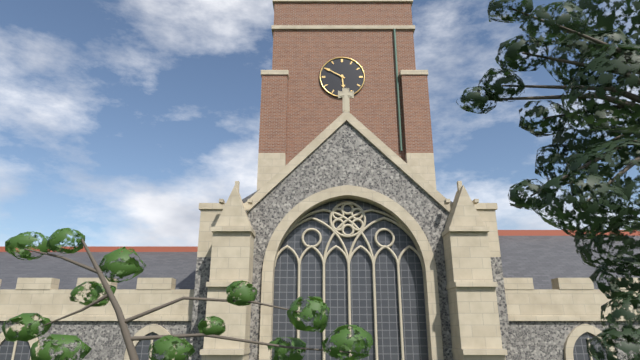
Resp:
5:50
